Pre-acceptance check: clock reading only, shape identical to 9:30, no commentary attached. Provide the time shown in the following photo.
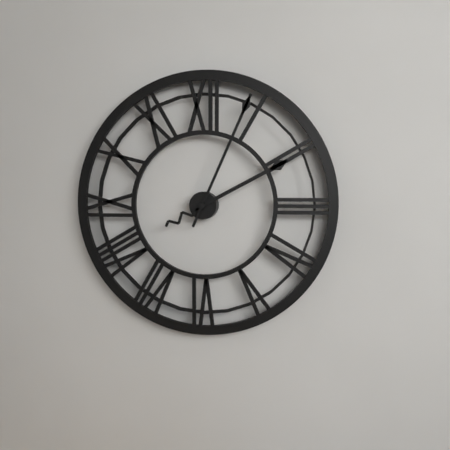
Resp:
2:04
